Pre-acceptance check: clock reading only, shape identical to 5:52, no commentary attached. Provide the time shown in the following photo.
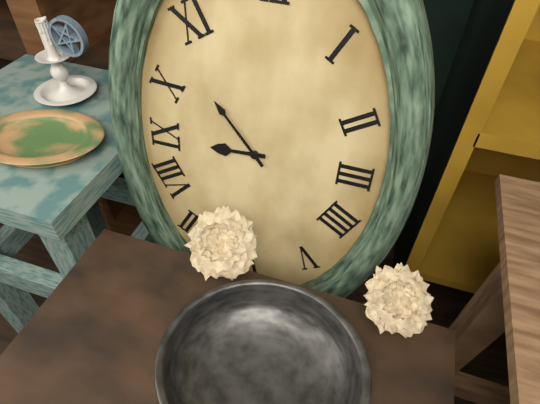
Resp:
8:53
